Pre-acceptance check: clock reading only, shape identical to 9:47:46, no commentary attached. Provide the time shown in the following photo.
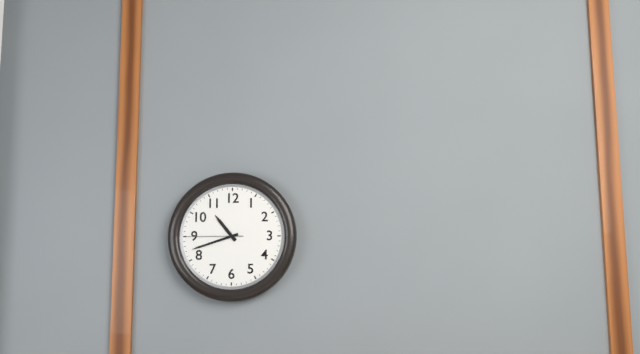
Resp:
10:42:45
